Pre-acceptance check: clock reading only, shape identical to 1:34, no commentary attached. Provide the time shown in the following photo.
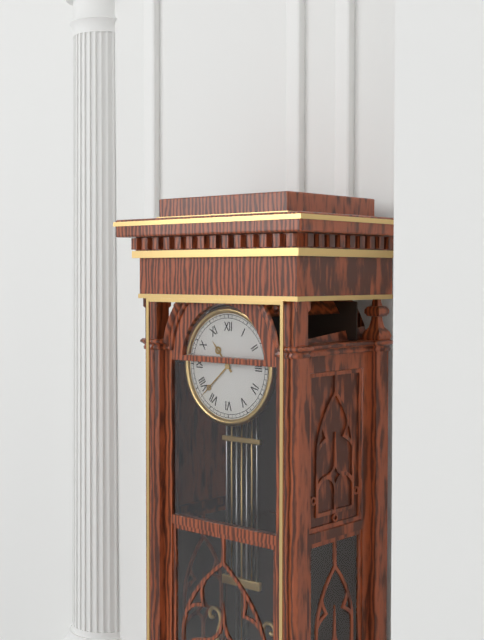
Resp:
10:38
